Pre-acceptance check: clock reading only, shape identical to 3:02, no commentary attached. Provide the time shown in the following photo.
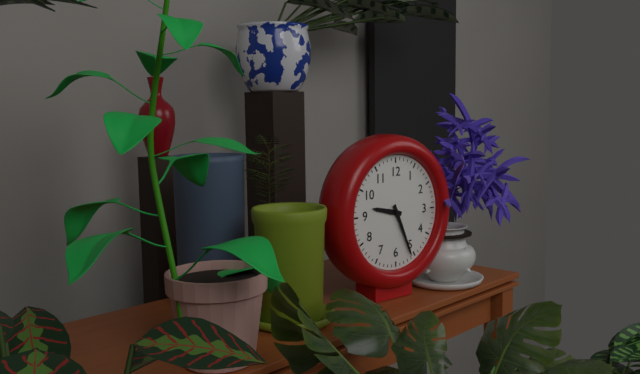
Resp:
9:26
